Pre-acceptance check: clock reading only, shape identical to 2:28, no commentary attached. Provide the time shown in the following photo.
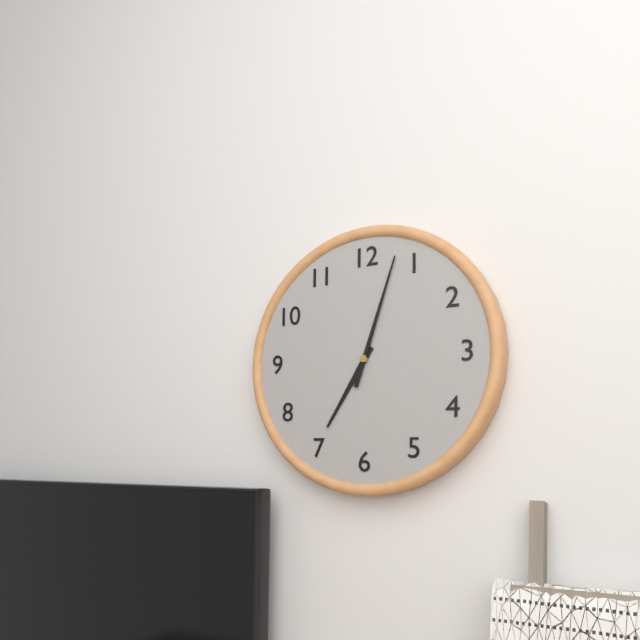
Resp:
7:03
